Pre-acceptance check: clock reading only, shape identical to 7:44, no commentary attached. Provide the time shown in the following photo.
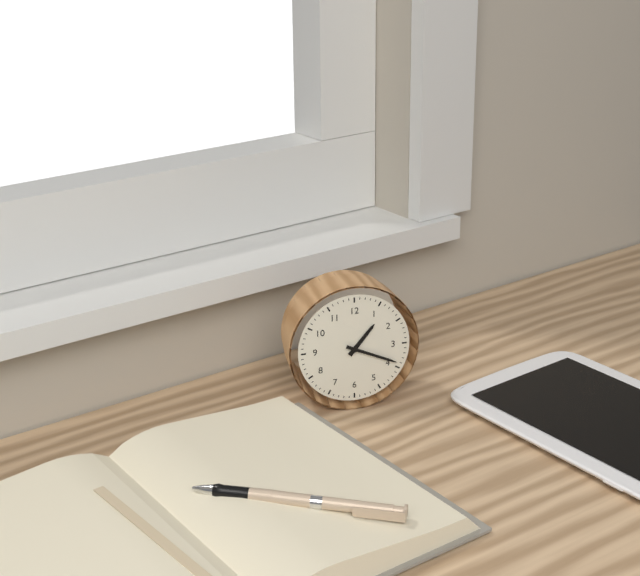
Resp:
1:19
